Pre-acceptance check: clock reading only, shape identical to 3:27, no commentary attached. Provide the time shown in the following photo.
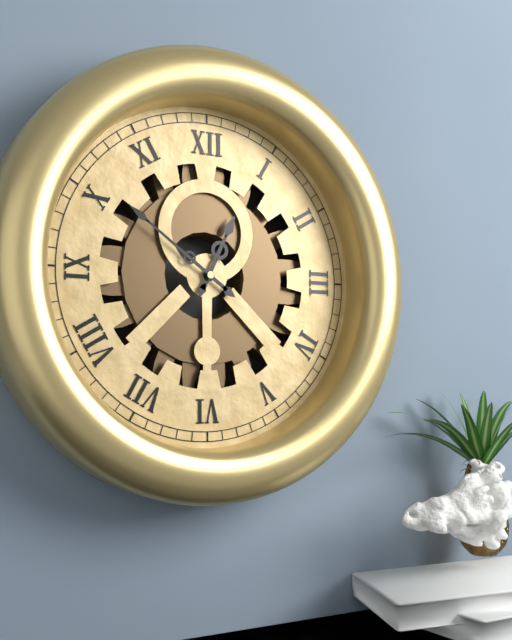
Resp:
12:51
